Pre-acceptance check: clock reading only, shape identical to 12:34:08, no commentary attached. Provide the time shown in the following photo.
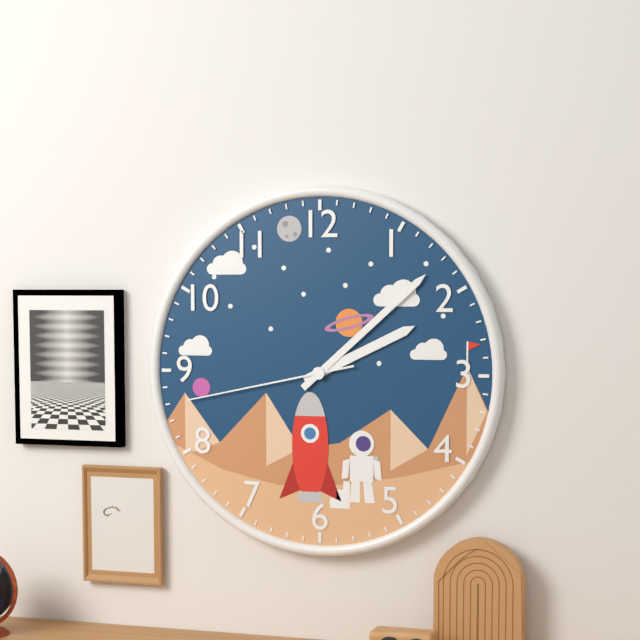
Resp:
2:08:43
